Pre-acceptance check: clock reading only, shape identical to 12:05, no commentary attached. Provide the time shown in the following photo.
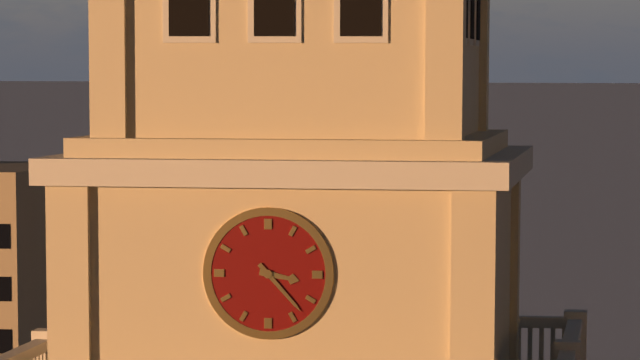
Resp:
3:23
